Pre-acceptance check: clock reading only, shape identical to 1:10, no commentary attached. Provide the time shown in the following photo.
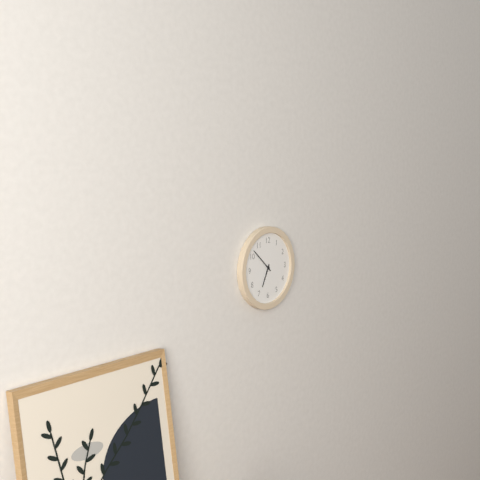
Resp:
6:52
